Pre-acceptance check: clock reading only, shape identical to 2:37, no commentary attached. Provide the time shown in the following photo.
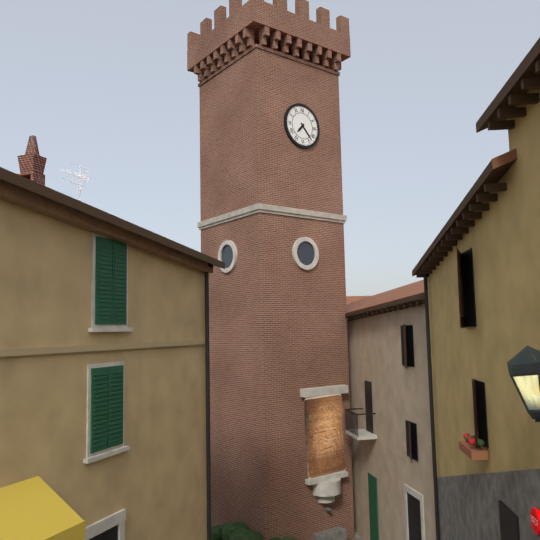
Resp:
7:23
